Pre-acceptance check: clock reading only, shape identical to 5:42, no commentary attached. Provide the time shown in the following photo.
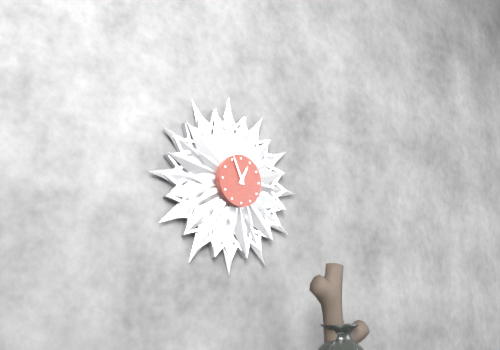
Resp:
12:56
